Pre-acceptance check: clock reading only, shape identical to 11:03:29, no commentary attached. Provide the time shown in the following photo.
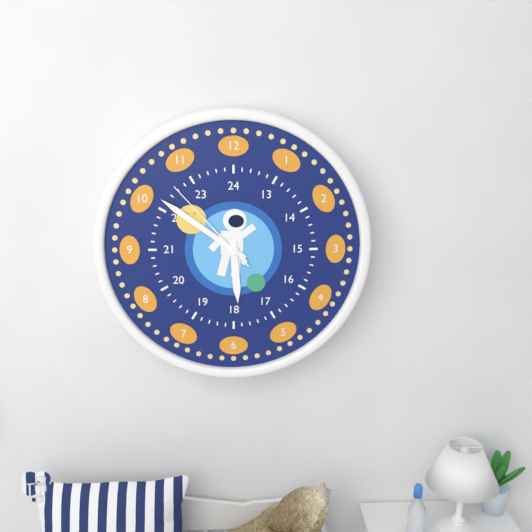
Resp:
5:51:53
